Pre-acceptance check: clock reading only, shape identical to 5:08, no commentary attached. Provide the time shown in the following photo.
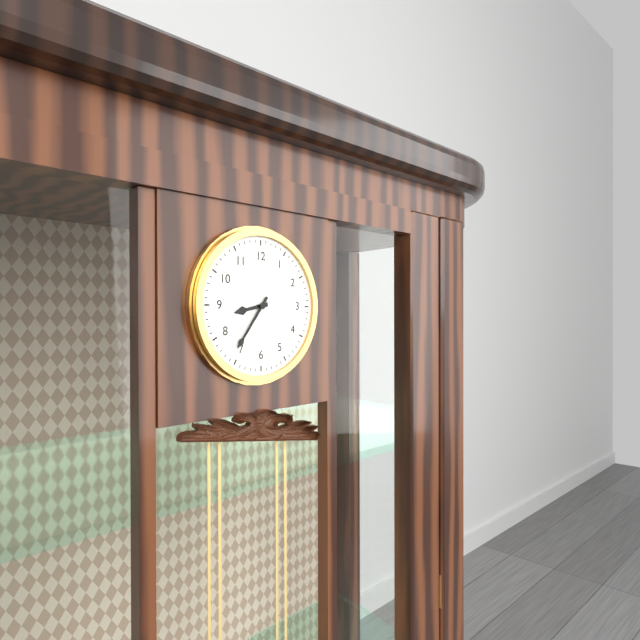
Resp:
8:36
